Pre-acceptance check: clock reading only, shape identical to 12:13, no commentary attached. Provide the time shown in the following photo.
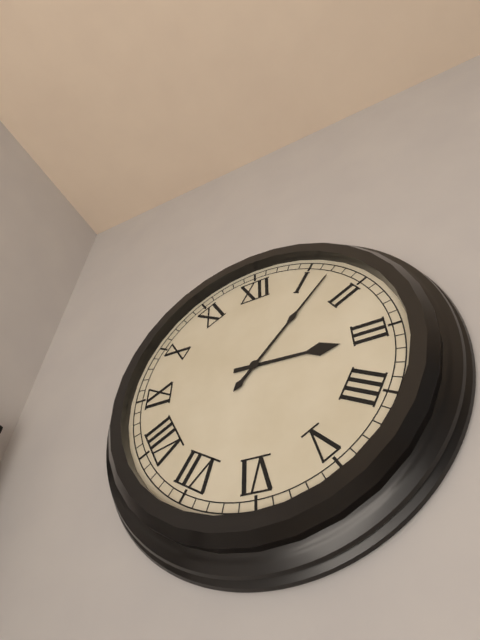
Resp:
3:07
